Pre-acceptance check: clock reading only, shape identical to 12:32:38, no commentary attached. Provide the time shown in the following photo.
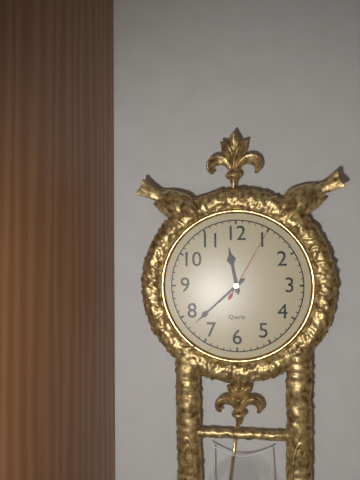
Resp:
11:38:05
